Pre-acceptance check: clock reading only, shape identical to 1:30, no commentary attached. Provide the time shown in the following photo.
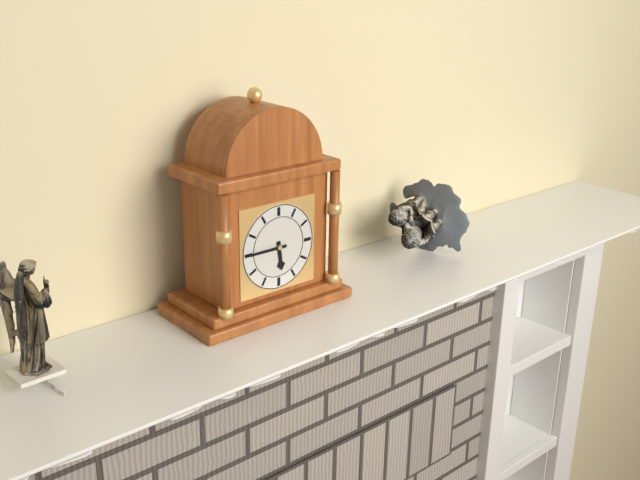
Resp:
5:45
